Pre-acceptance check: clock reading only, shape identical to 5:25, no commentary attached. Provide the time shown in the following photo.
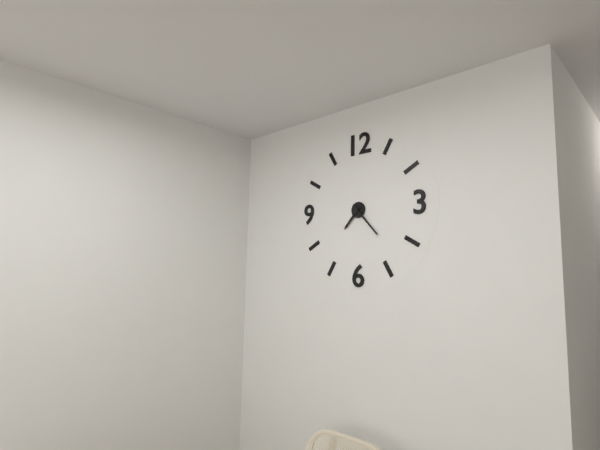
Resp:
7:23
